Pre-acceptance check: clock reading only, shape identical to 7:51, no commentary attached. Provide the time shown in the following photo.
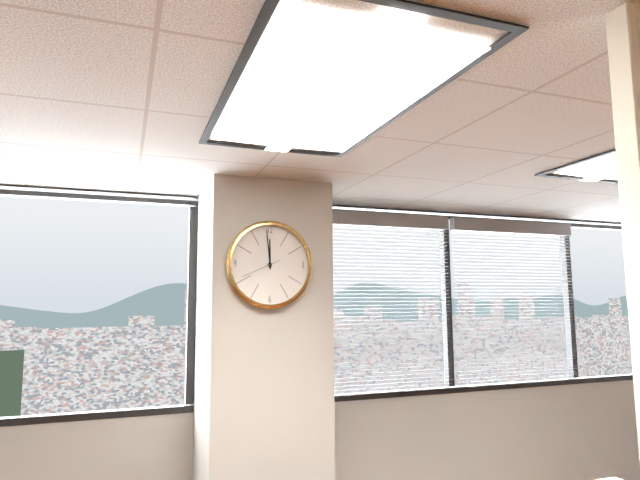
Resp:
11:59
